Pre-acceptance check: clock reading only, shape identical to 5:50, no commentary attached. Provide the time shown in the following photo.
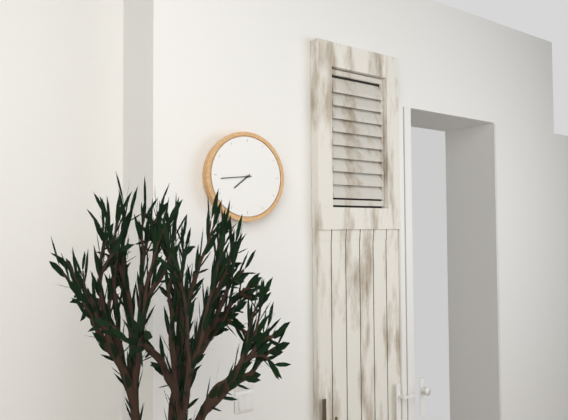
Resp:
7:44
